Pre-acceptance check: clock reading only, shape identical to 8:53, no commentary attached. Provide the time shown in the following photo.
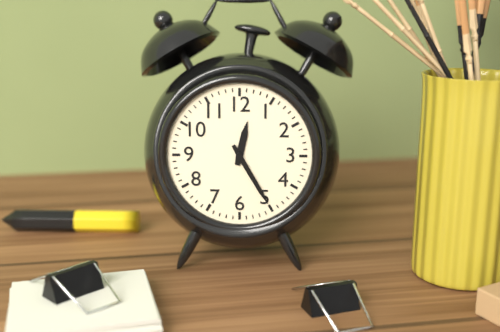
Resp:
12:25
